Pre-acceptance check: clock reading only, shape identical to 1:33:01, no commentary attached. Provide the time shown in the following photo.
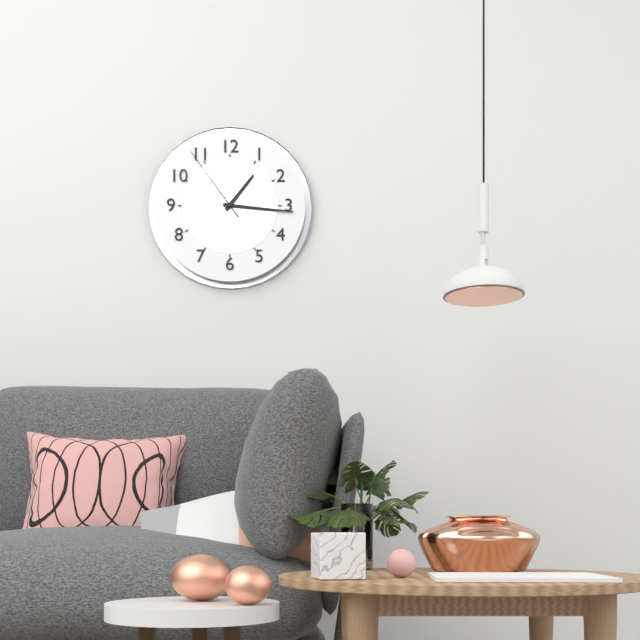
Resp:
1:16:54
